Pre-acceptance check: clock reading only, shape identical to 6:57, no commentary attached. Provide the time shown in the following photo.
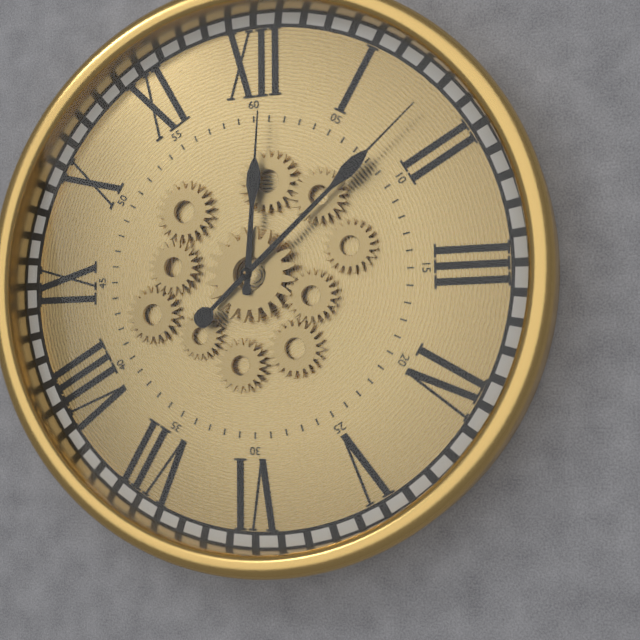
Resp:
12:08
